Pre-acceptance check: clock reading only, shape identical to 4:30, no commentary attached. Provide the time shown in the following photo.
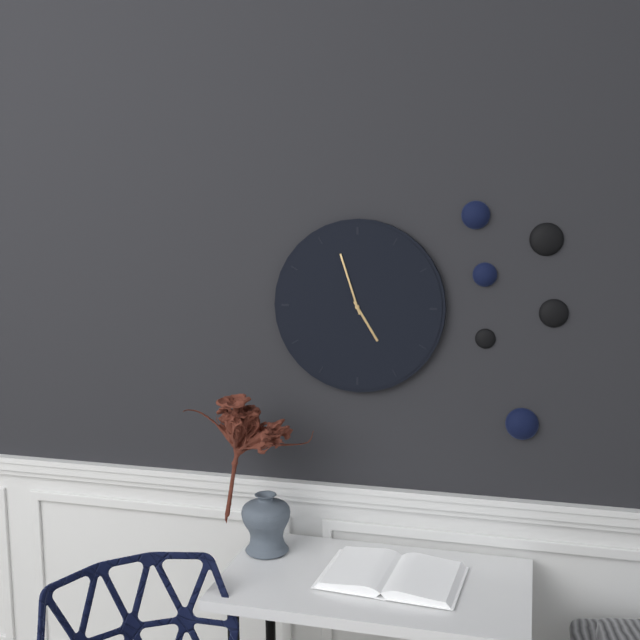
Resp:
4:57
